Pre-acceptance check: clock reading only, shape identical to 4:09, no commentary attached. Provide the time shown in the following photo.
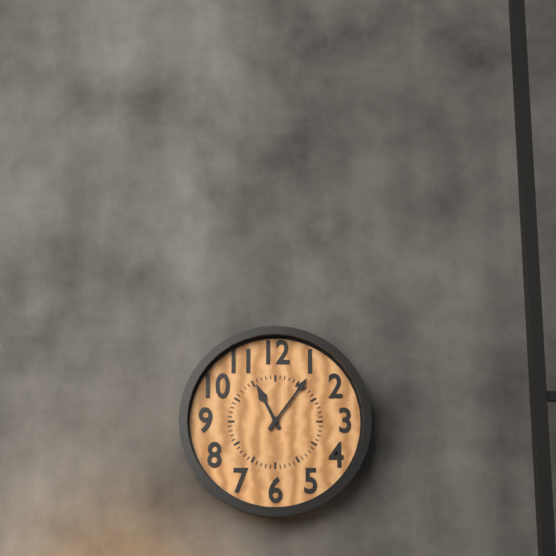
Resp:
11:06
